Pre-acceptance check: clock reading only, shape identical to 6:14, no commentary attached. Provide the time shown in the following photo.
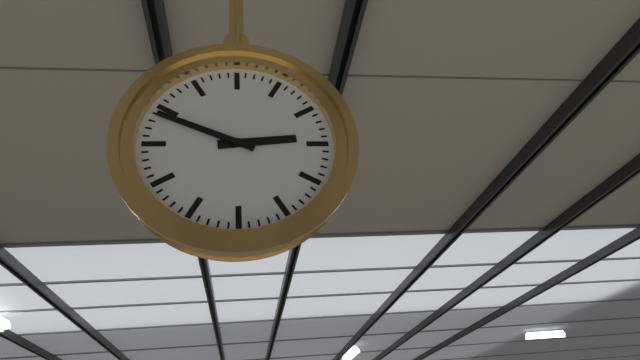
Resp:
2:49
